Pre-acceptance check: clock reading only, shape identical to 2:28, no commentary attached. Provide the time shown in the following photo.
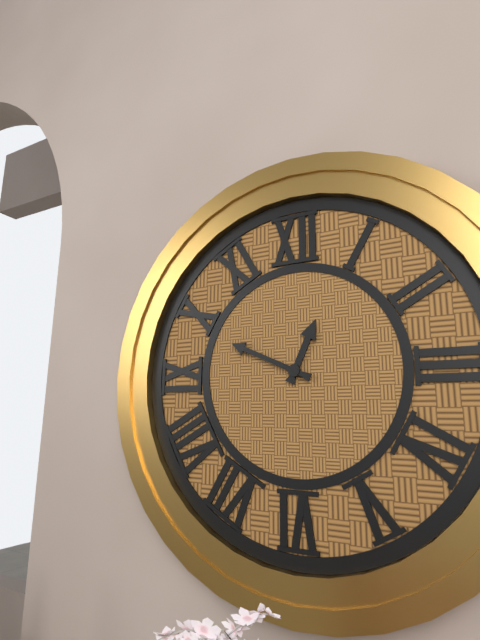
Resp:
12:49
